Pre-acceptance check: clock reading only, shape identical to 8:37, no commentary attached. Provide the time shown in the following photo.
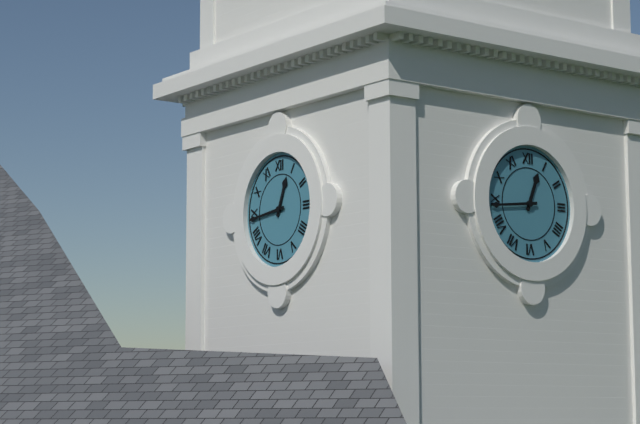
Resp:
12:44
